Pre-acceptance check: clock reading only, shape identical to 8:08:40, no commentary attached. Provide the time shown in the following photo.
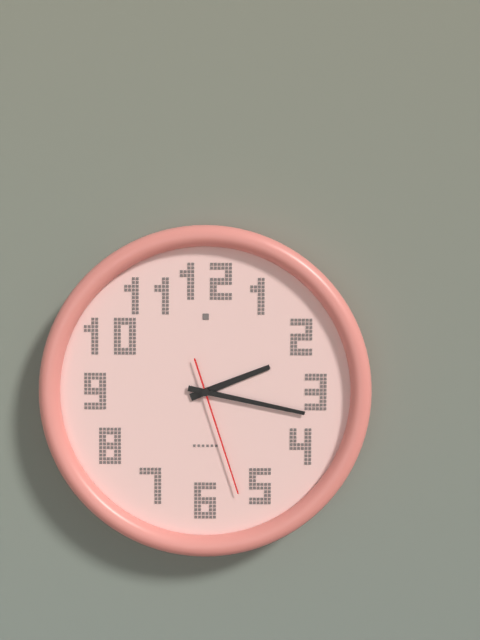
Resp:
2:17:27
